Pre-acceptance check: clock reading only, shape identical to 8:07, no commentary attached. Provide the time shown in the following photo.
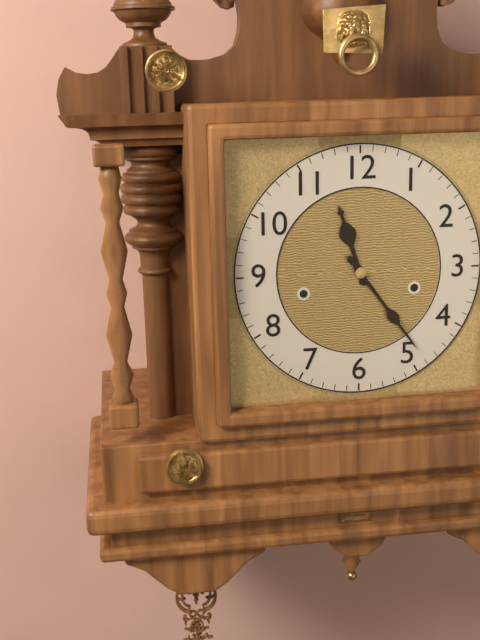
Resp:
11:24
